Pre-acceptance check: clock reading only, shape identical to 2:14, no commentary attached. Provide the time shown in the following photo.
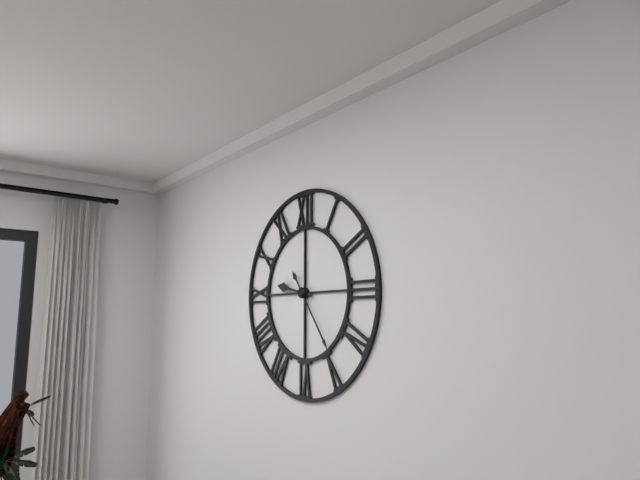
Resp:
9:24
